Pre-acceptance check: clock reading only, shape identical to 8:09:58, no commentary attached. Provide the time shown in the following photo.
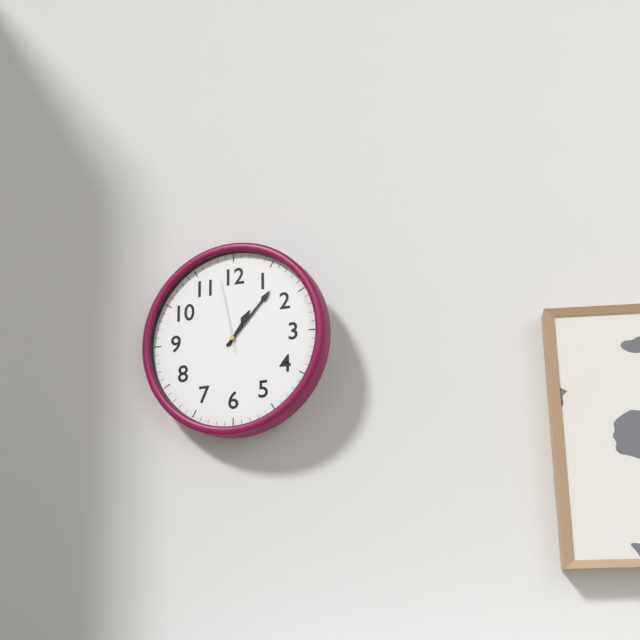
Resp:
1:07:58
